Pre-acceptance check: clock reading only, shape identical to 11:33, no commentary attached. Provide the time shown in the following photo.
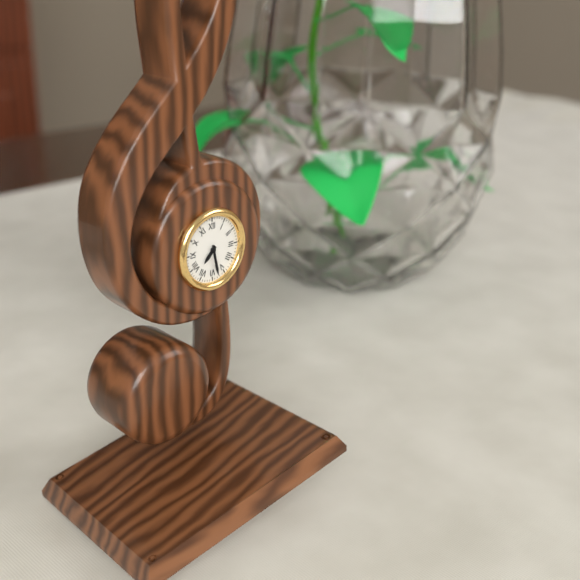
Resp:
7:28
